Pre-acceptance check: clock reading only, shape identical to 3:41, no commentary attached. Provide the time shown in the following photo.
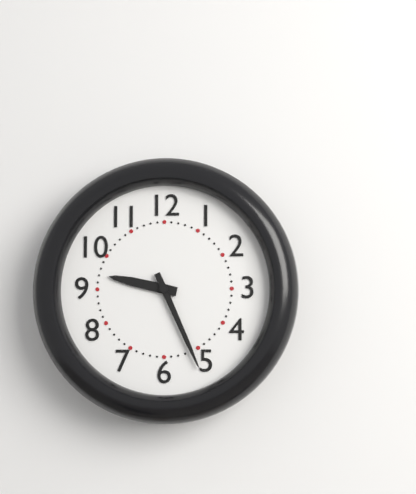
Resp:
9:26
